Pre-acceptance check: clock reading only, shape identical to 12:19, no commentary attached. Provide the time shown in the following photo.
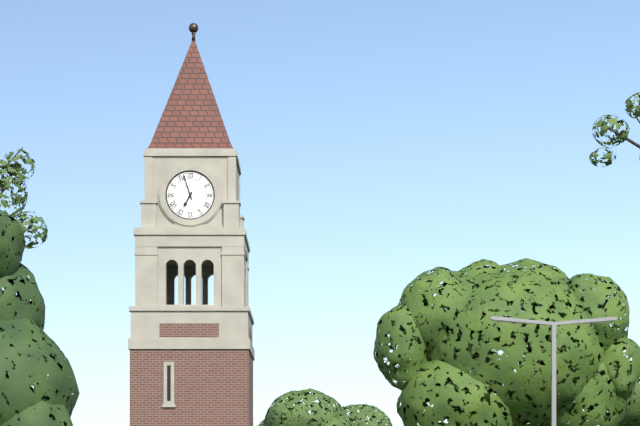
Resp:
6:57
